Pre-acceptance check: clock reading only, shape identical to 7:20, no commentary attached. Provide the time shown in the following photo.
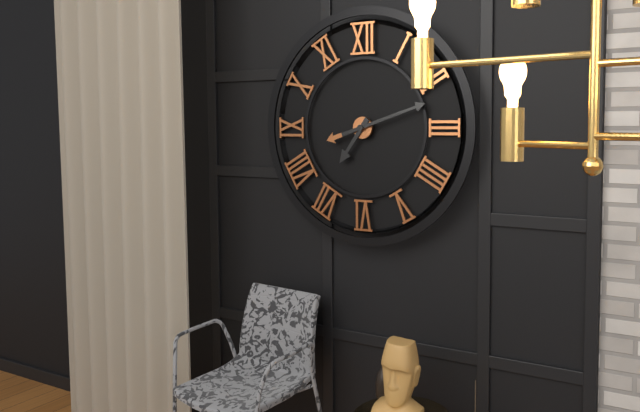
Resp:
7:12
